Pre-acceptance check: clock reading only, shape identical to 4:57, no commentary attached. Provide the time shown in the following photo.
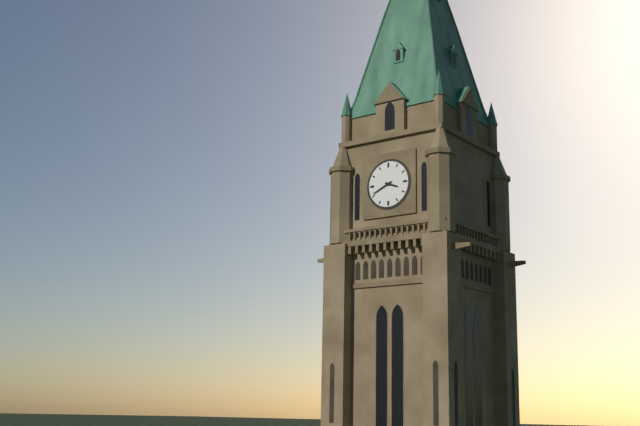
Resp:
3:41
